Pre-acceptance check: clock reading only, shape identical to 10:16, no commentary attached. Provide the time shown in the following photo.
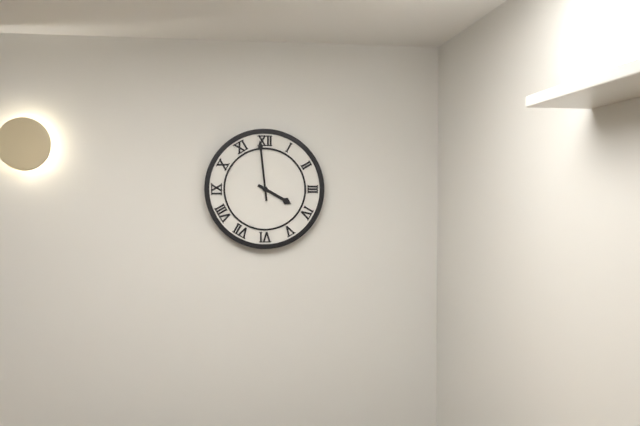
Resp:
3:59
